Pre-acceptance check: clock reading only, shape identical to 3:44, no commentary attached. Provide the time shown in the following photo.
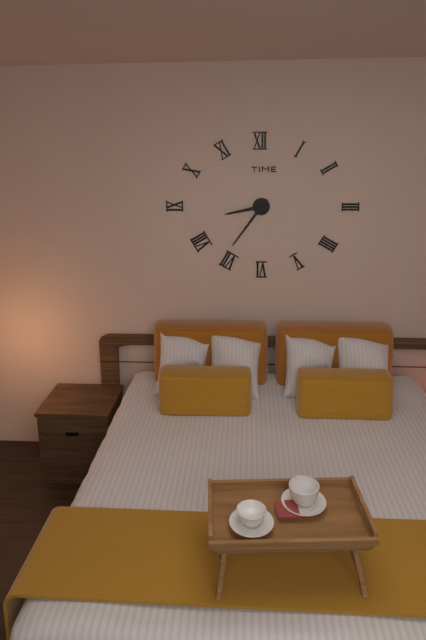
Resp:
8:36
